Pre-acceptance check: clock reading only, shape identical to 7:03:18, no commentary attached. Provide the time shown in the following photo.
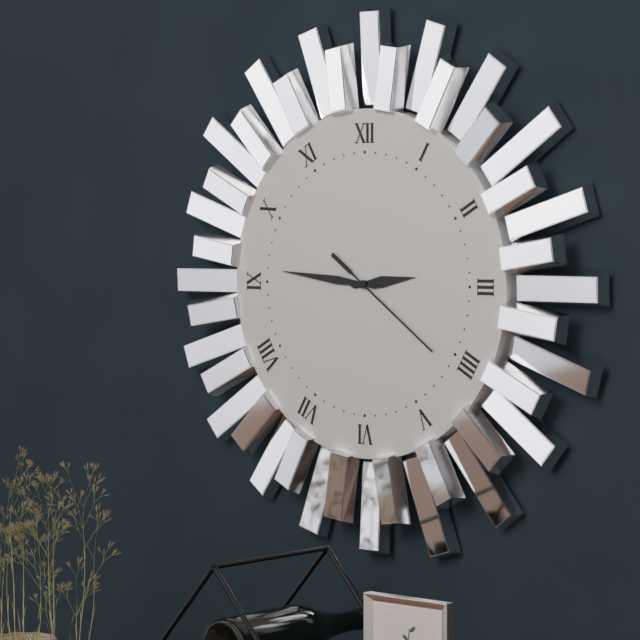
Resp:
2:46:21
